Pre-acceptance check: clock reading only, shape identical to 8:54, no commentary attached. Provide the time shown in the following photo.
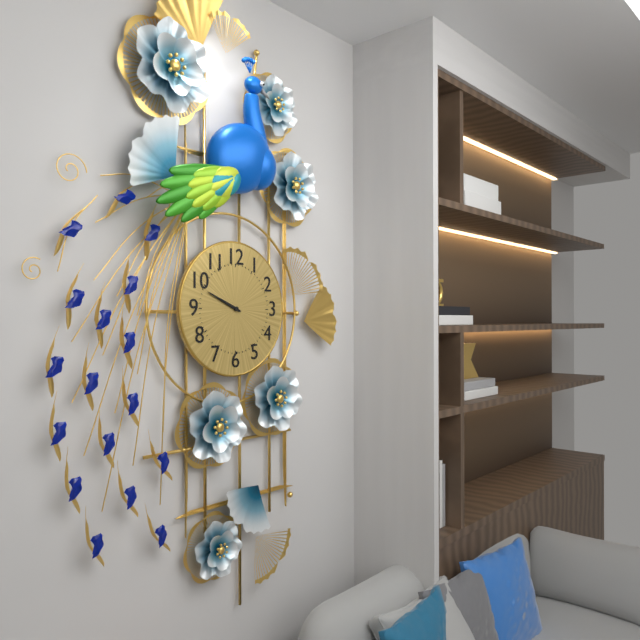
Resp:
9:49
